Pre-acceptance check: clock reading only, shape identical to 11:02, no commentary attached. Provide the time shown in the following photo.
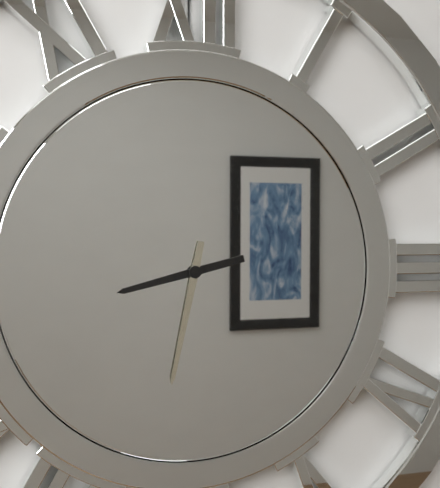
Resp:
8:32
